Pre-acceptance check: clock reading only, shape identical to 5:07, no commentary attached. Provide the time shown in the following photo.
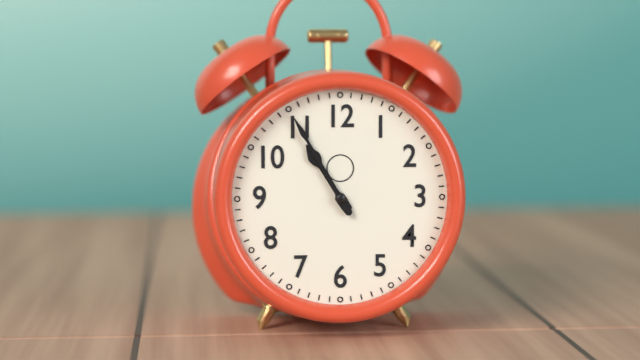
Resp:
10:55
